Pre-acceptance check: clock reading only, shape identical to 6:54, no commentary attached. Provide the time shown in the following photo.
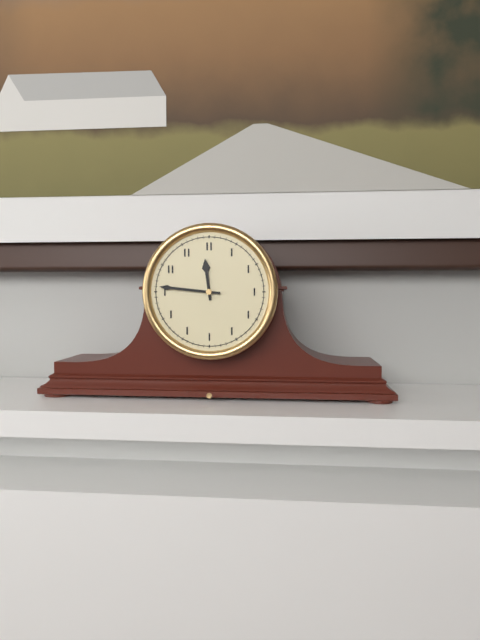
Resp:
11:46
